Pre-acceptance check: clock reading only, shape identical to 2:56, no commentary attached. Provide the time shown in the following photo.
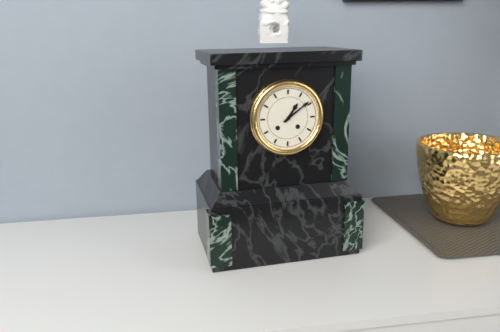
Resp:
1:09
